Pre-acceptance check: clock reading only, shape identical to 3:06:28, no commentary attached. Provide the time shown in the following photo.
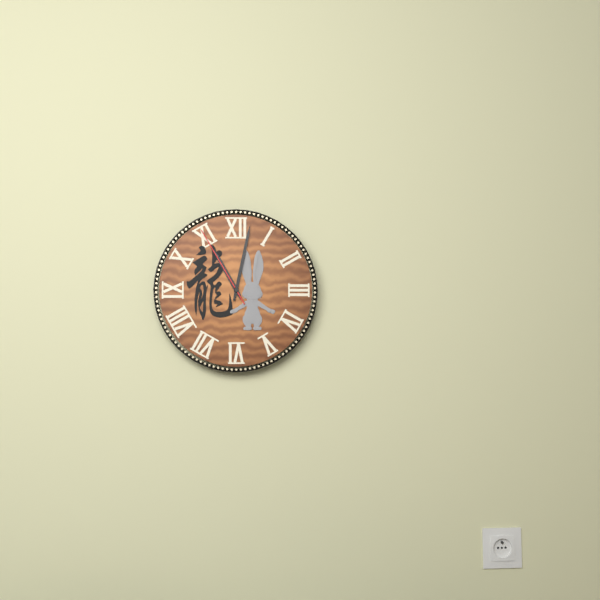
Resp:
11:02:55
